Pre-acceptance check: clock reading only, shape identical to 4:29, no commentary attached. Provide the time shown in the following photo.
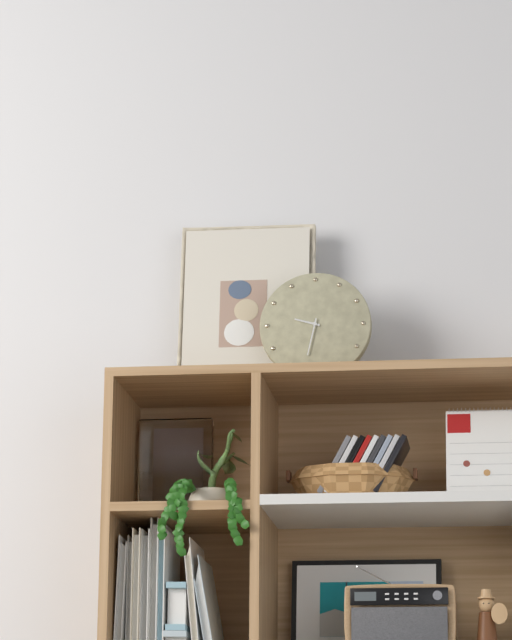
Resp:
9:32
